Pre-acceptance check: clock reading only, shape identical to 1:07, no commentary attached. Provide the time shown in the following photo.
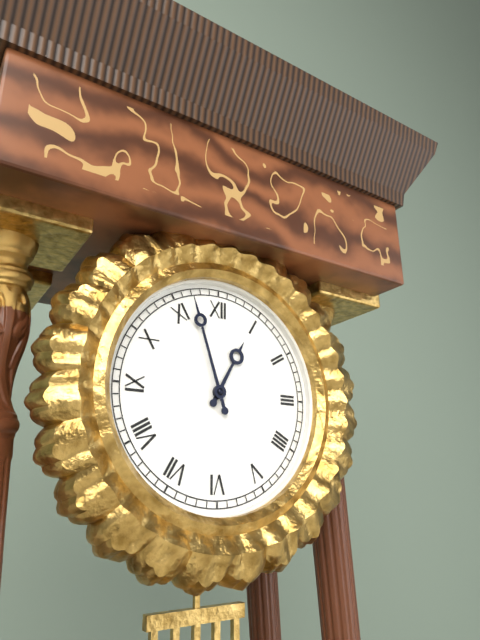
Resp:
12:57
